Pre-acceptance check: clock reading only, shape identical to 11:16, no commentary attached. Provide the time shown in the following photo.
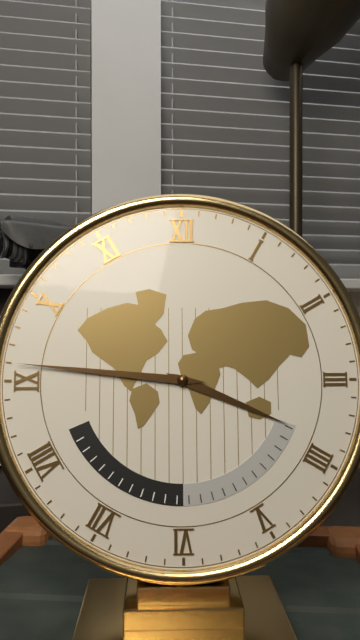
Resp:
3:46
